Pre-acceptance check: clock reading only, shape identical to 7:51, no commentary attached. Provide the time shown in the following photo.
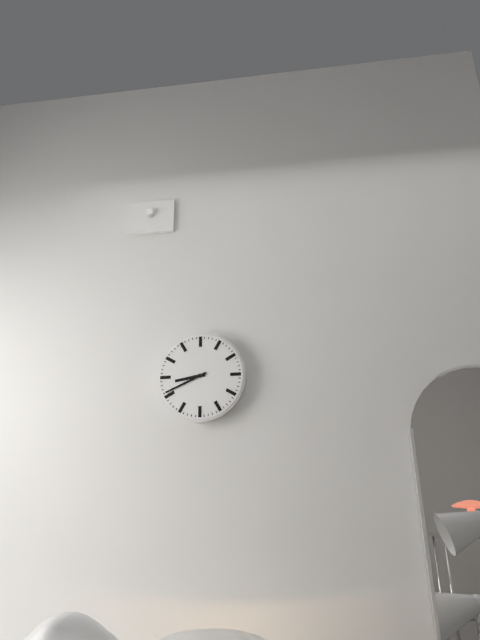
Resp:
8:41
